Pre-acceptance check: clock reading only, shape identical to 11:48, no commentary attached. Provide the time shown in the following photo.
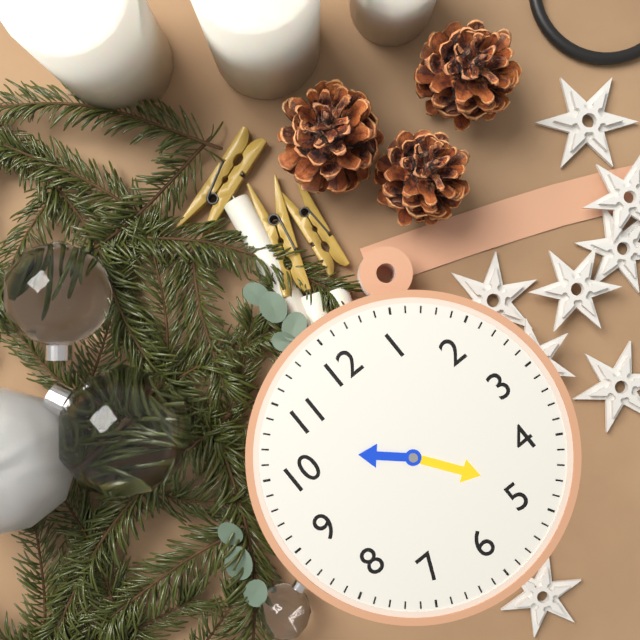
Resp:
10:24
